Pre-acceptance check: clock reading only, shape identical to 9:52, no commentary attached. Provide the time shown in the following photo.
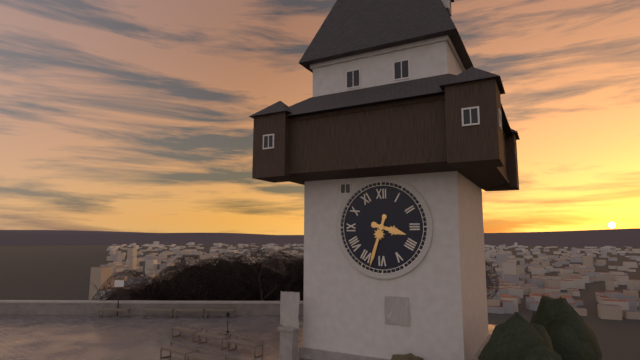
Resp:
3:33
